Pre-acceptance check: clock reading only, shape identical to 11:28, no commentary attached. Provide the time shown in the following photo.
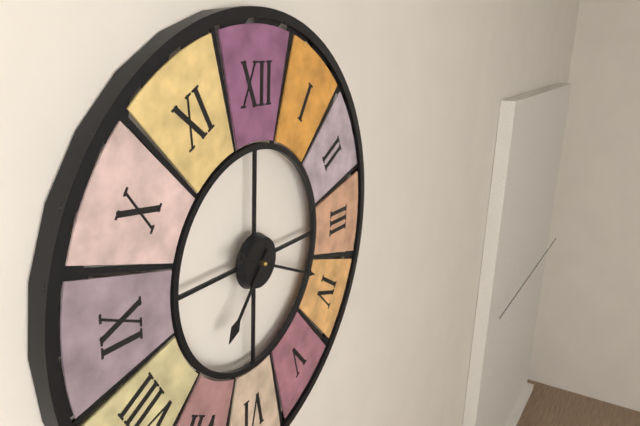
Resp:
7:19
